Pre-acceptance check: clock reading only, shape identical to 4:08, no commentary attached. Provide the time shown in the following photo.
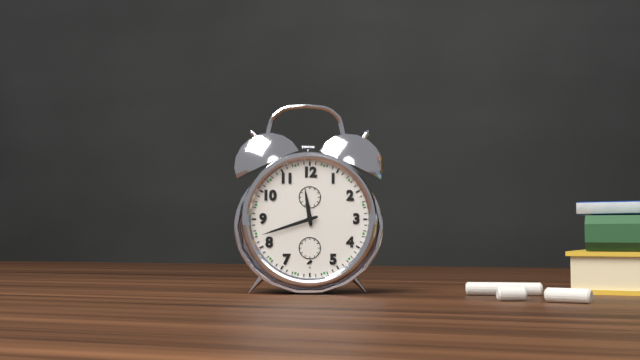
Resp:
11:42
